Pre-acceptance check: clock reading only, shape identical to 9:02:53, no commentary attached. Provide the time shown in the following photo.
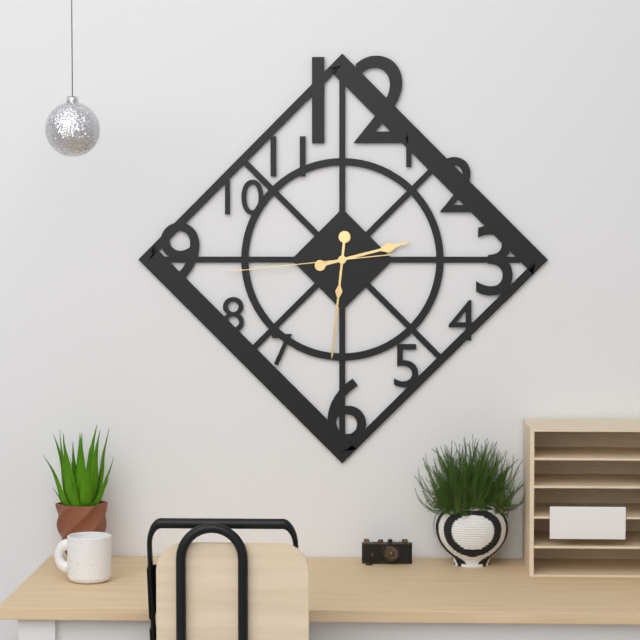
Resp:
2:31:44
